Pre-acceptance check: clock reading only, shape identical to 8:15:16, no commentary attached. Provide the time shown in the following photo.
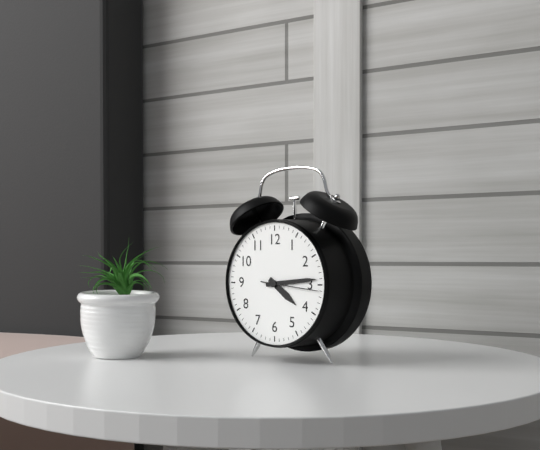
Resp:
4:14:16
